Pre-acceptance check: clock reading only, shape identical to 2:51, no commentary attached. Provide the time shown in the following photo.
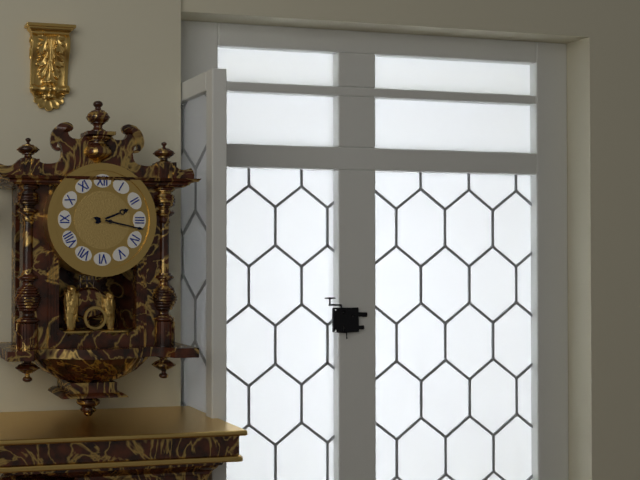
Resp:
2:17
